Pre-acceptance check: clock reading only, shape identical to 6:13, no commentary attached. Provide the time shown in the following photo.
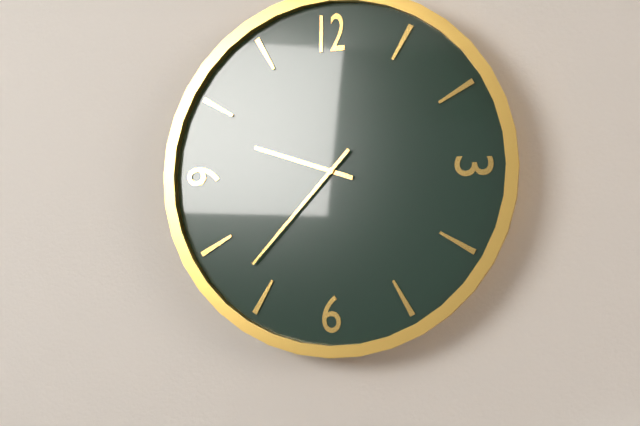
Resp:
9:37
